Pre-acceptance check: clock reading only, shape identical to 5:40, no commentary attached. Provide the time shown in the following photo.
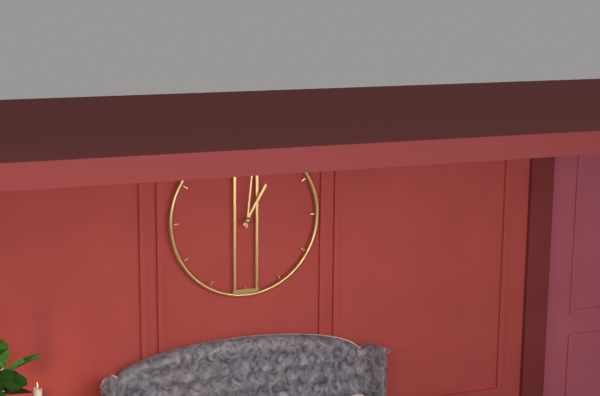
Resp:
1:01
